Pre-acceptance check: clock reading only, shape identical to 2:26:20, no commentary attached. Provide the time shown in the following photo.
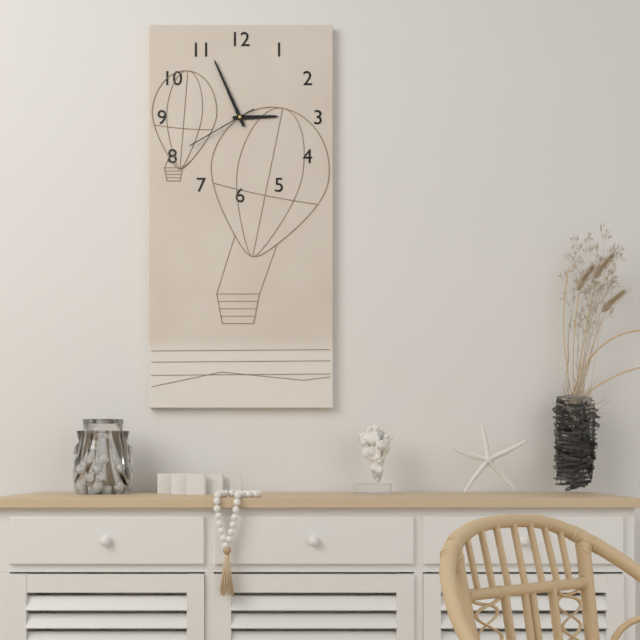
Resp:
2:56:40
